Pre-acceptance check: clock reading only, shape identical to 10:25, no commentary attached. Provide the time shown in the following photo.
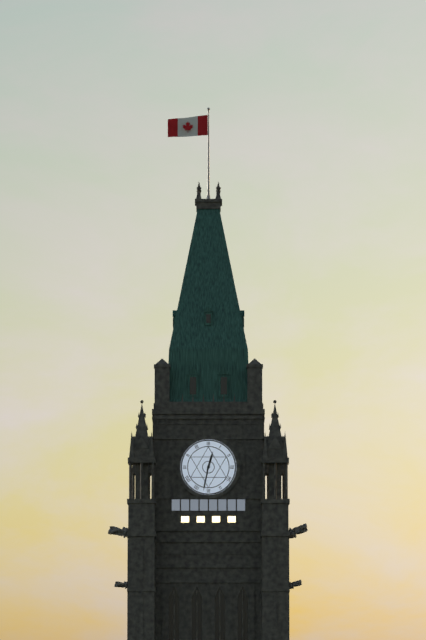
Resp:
12:32
